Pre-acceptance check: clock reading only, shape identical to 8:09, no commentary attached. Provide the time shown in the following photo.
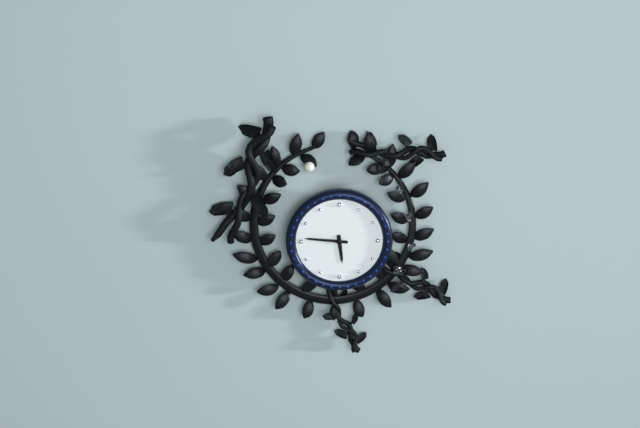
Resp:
5:46
